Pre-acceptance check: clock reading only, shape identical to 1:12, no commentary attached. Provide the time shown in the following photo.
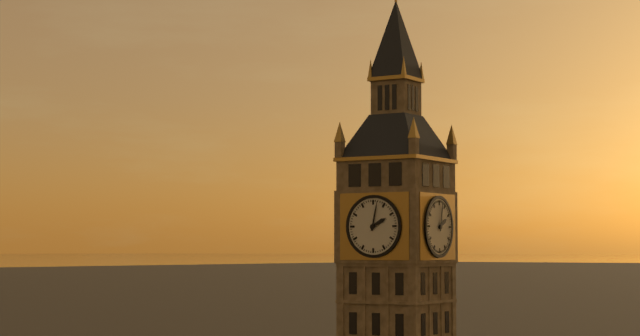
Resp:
2:02
